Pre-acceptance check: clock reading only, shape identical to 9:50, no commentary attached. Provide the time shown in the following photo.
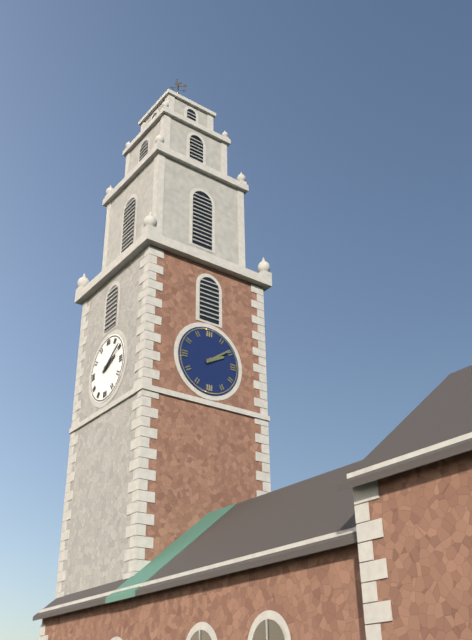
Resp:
2:09
